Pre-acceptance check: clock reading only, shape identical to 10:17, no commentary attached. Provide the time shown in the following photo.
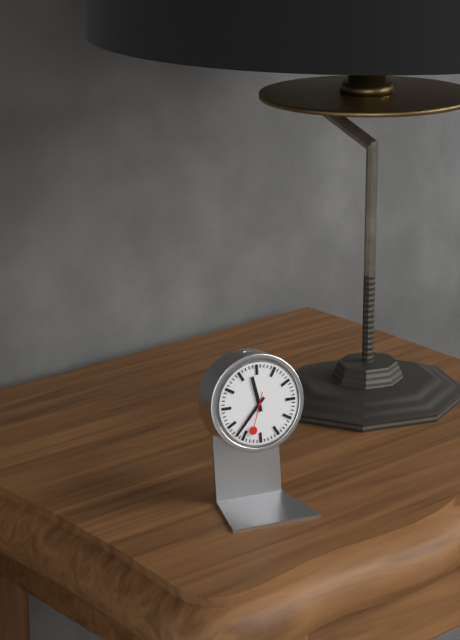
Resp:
11:37
